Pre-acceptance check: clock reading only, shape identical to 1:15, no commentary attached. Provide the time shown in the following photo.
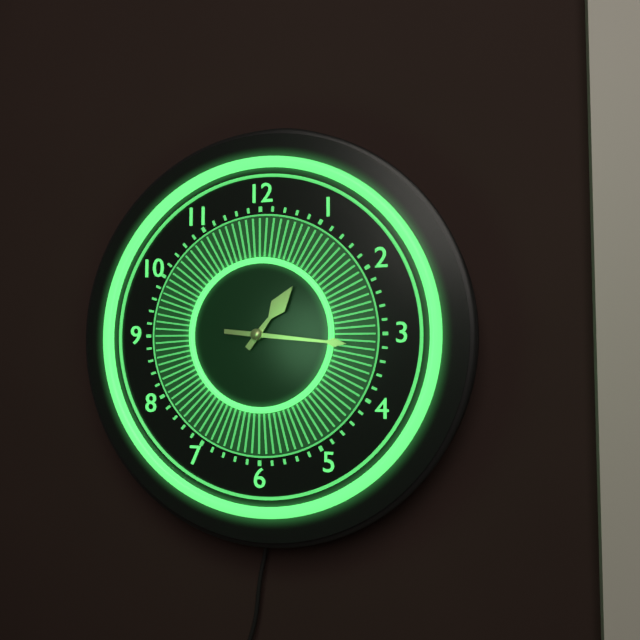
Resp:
1:16
